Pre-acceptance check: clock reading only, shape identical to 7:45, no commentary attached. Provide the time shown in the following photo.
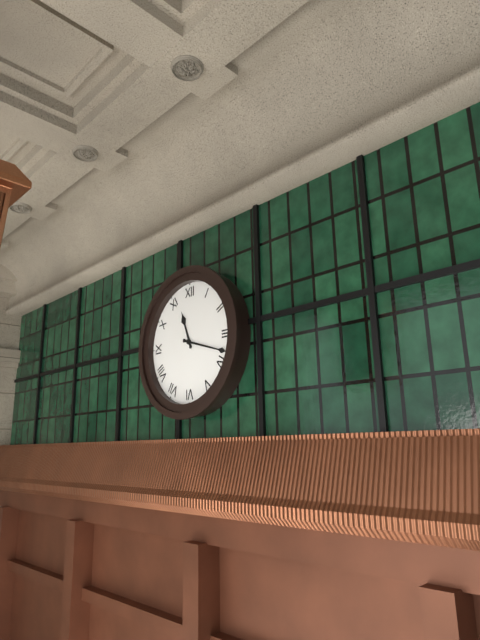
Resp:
11:18
